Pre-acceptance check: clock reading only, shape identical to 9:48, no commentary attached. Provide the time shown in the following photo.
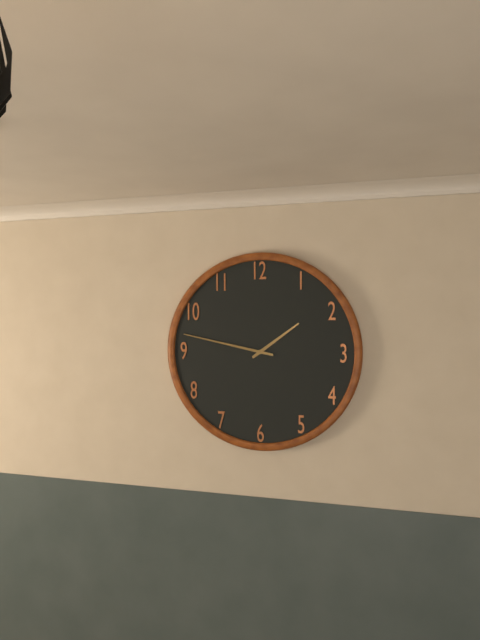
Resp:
1:47
